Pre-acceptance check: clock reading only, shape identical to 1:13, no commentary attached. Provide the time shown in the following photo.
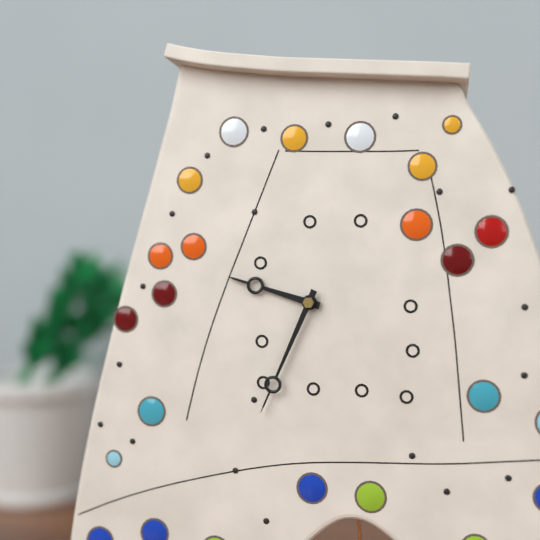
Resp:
9:34
